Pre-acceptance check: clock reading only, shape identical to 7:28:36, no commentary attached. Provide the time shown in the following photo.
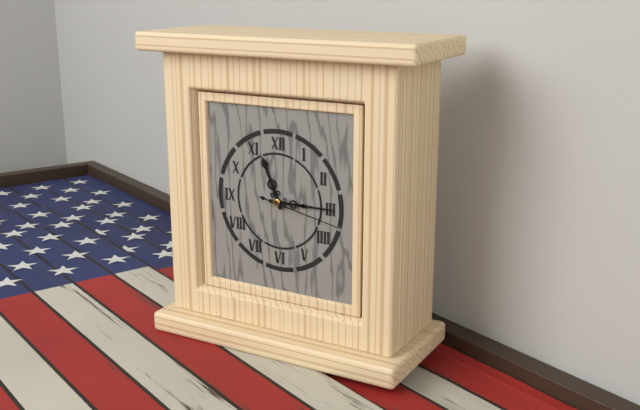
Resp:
11:15:17
